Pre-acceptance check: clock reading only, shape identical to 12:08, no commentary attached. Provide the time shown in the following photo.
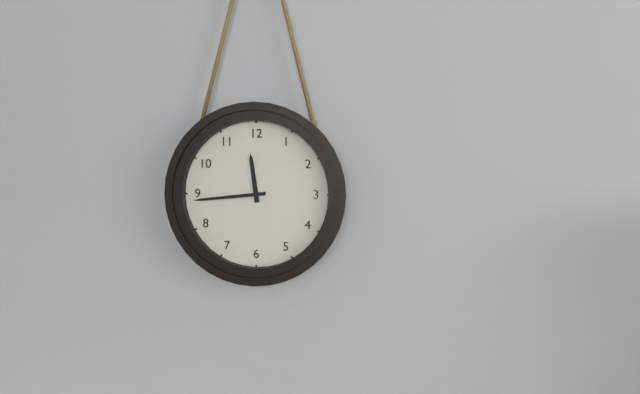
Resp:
11:44
